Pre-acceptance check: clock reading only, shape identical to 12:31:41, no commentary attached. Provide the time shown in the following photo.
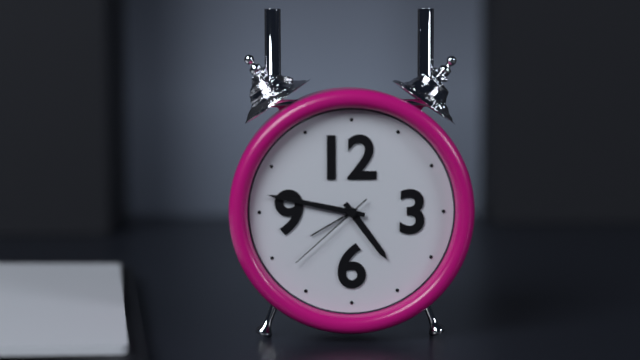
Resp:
4:47:38
